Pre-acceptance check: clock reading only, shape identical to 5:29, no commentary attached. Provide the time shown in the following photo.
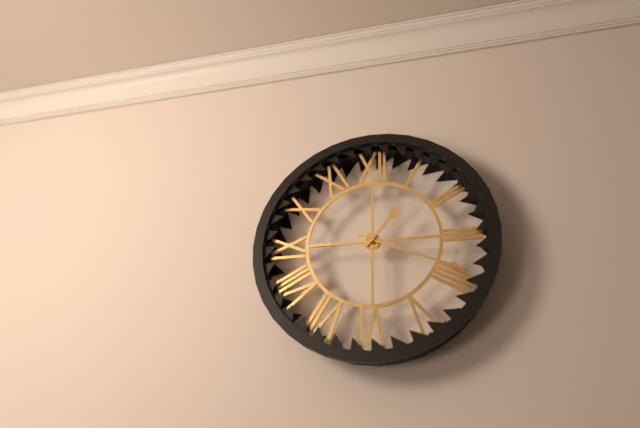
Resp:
1:19
